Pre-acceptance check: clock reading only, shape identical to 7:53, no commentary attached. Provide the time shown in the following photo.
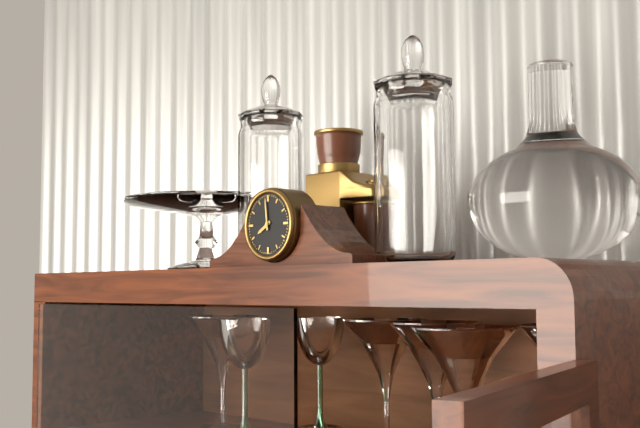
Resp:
7:59
